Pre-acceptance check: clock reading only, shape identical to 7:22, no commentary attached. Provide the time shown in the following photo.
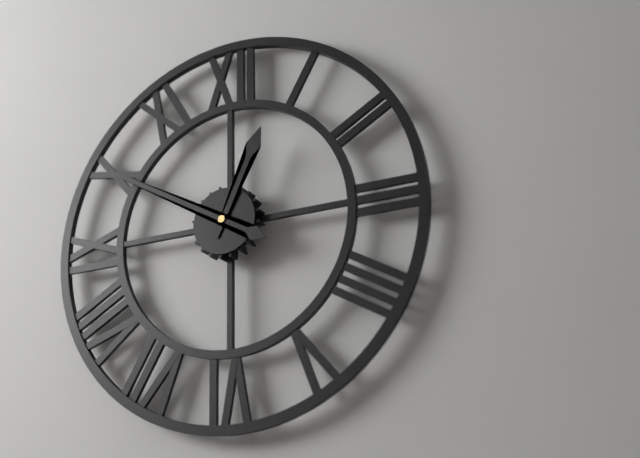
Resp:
12:50
